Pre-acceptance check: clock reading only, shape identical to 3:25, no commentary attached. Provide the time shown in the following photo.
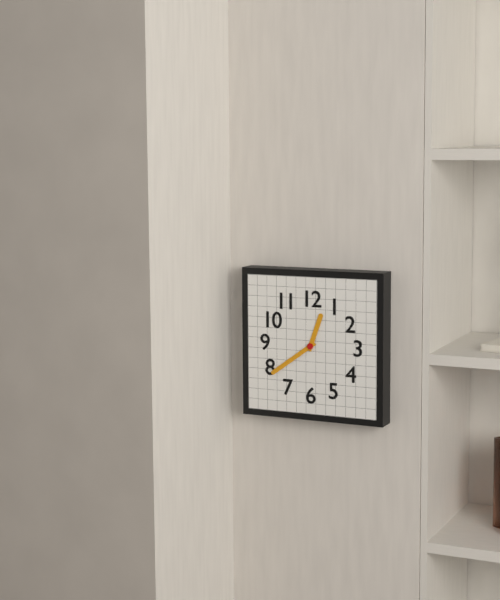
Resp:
12:39
